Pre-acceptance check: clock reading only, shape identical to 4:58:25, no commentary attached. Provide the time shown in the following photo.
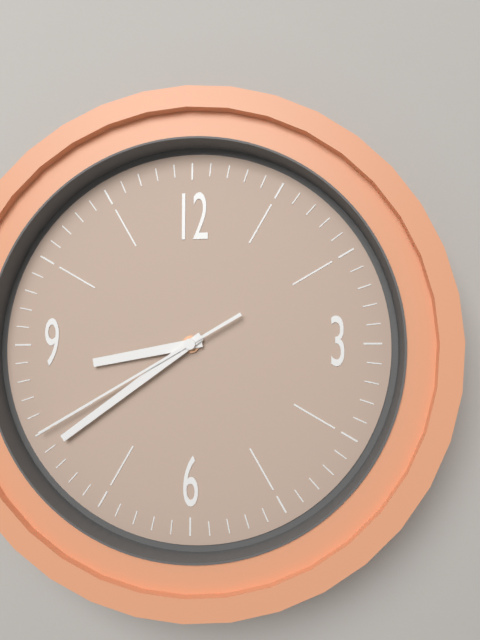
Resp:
8:39:40
